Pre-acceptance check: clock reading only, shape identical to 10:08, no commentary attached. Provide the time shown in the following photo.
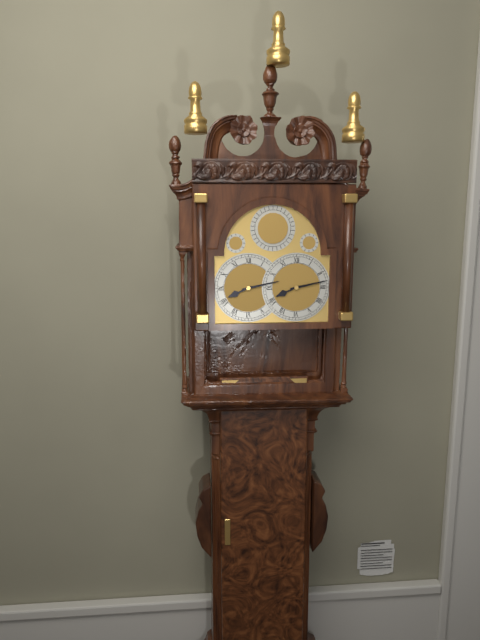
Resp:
8:13
